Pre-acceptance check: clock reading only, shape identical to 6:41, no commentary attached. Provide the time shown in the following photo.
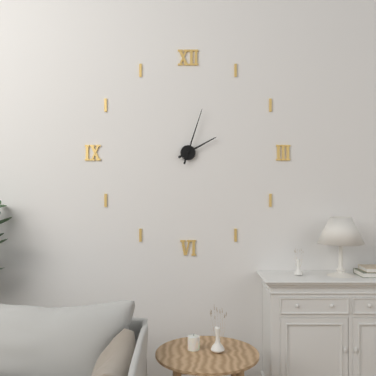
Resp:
2:03
